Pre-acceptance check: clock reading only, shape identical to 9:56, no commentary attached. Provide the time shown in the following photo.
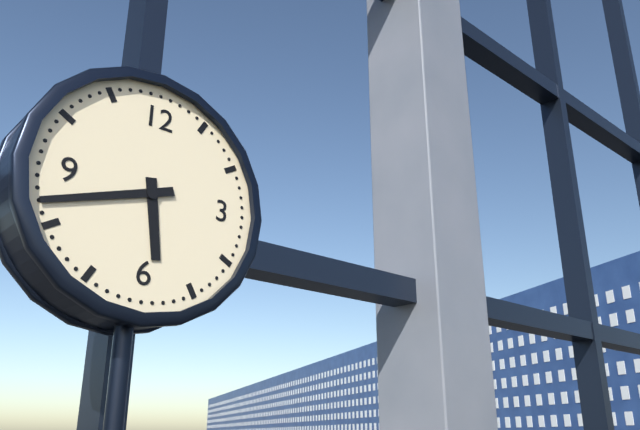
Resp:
5:42
